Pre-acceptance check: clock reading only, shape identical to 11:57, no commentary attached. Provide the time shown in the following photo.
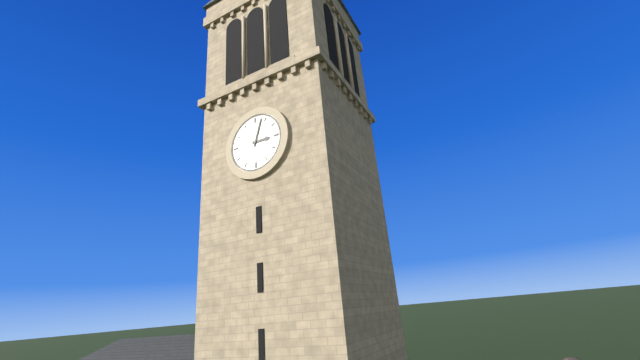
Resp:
3:03
